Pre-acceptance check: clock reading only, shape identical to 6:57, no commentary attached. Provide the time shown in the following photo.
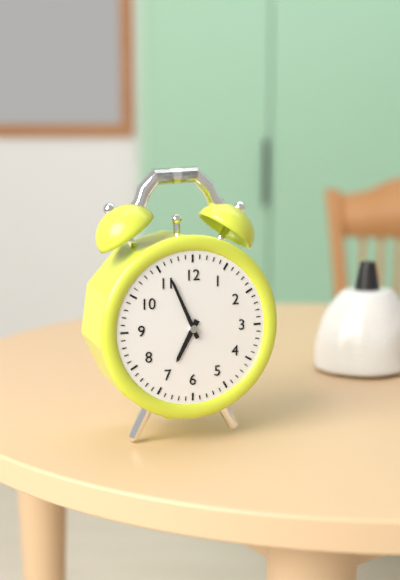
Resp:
6:56
